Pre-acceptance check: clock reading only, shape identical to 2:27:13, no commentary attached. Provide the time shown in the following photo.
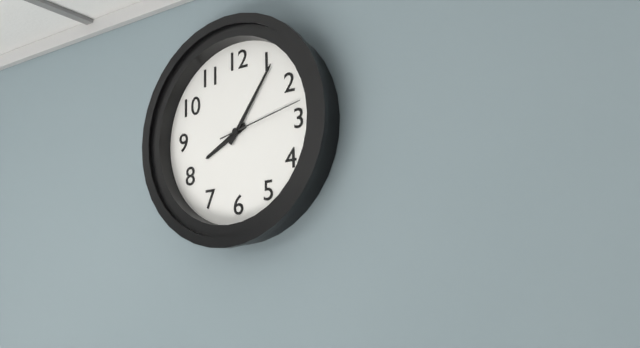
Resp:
8:06:13
